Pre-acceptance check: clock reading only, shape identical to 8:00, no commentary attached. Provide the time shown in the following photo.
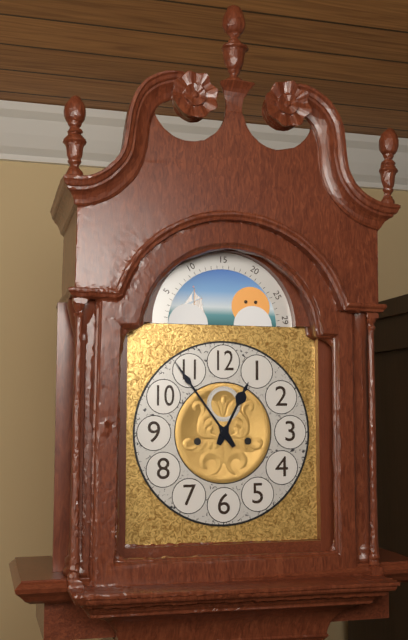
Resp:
12:54
